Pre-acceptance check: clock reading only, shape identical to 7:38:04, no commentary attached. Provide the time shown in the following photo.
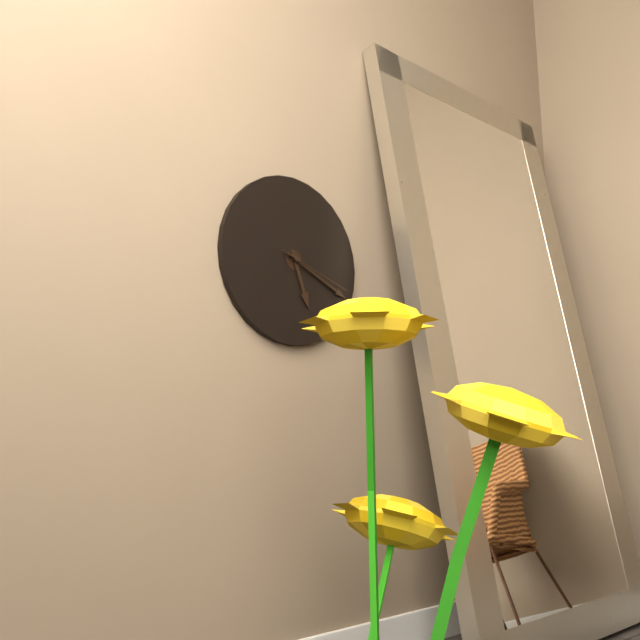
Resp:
5:19:18
